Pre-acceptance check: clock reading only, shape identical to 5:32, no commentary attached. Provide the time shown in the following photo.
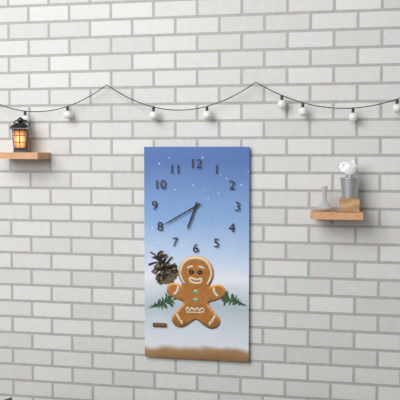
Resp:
6:40
